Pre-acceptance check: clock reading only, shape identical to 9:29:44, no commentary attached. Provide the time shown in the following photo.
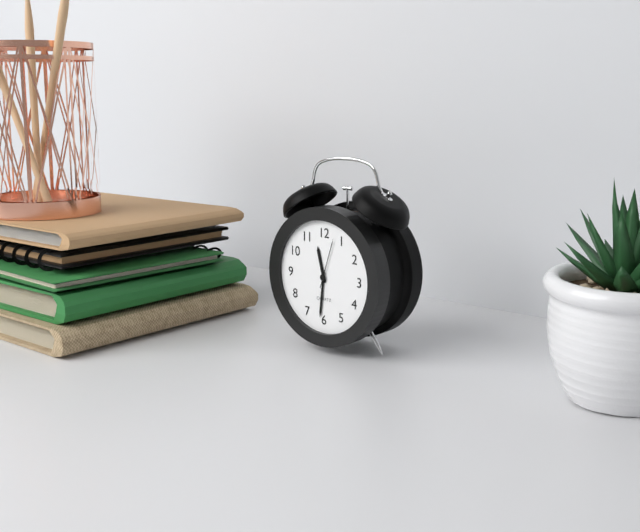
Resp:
11:31:03
